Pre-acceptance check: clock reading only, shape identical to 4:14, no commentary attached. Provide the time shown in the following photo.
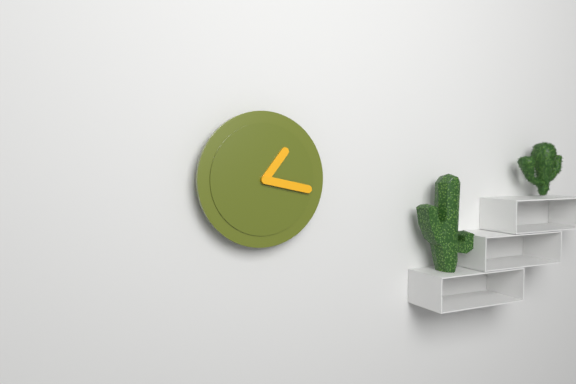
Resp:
1:17
